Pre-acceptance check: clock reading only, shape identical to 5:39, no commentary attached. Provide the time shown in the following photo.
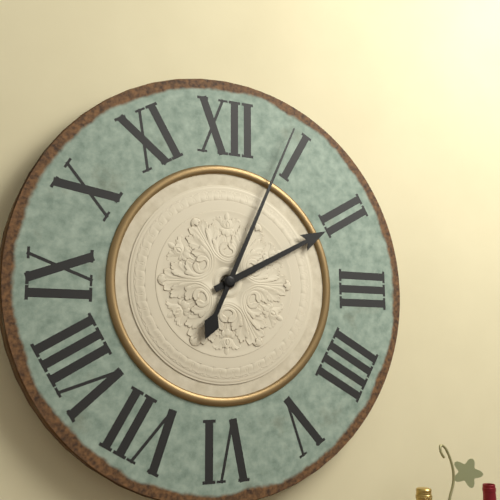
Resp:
2:04
